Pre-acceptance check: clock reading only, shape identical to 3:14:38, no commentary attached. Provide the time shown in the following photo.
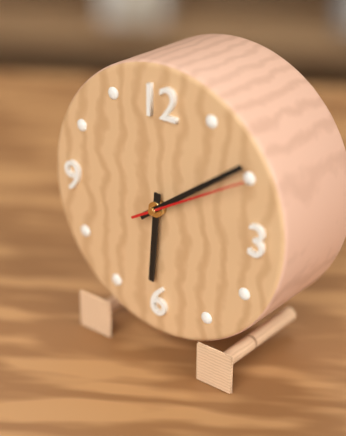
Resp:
6:09:10
